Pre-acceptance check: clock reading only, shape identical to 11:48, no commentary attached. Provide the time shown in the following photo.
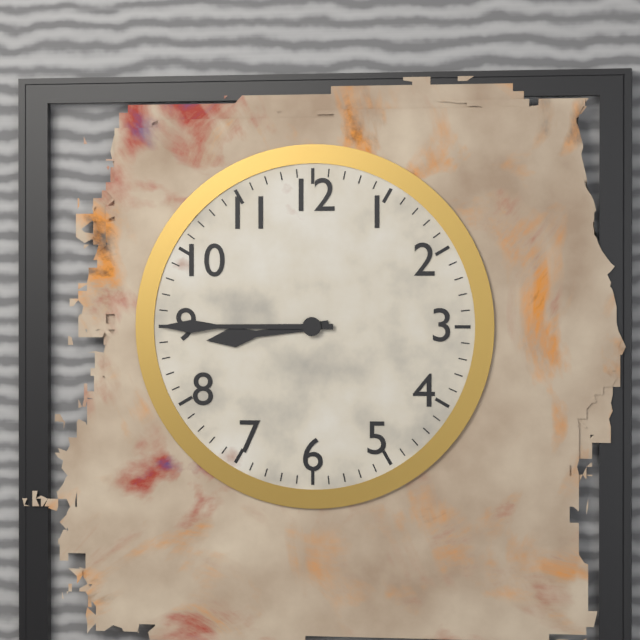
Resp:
8:45
